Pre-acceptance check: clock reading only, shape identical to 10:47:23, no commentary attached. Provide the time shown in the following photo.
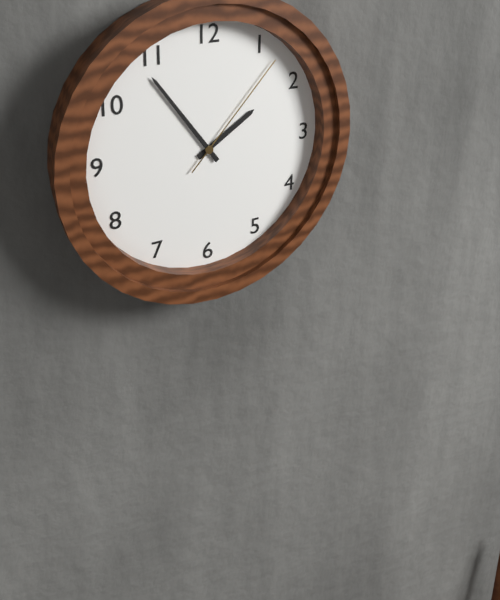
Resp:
1:54:07
